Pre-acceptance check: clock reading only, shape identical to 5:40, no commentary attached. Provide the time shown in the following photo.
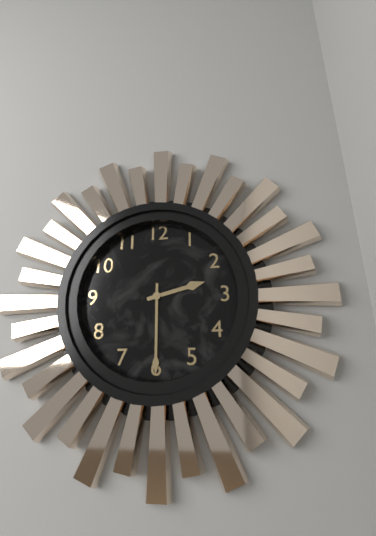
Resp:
2:30
